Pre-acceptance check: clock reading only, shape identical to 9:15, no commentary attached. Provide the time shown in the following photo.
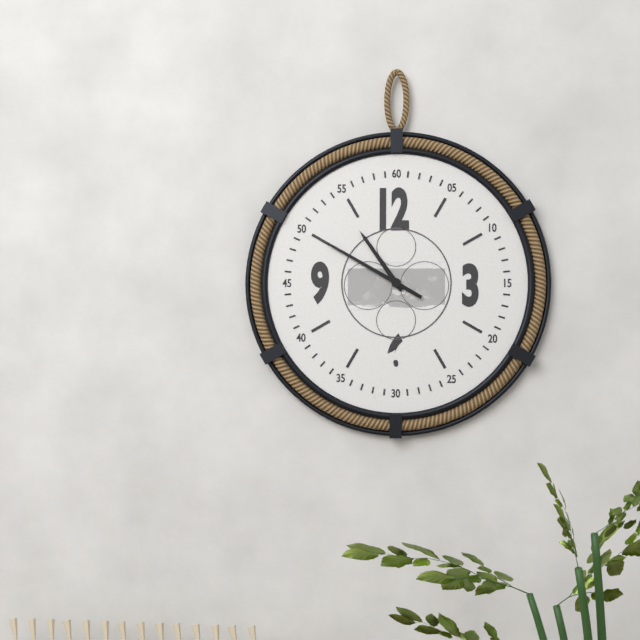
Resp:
10:50
